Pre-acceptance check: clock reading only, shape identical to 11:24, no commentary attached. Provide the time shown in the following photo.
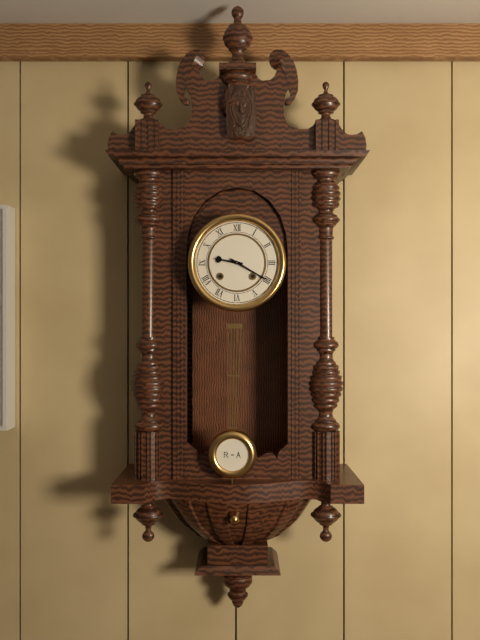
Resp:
9:20
